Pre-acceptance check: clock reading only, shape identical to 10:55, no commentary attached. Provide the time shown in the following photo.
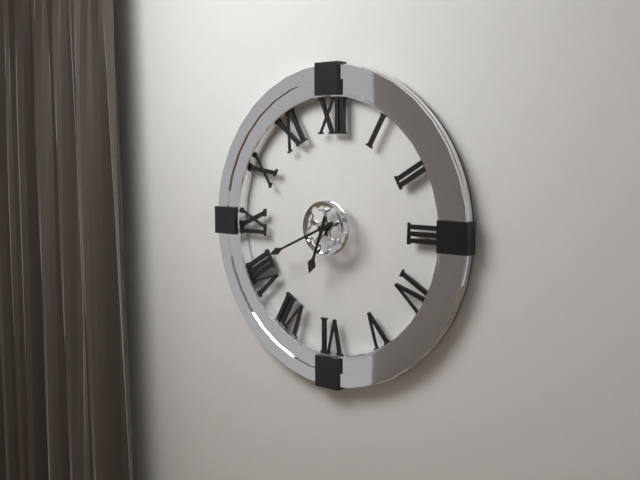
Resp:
6:41
